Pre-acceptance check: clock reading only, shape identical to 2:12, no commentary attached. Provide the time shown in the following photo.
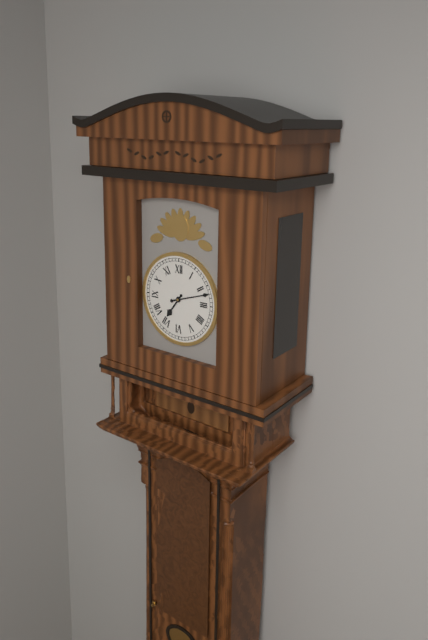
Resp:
7:12
